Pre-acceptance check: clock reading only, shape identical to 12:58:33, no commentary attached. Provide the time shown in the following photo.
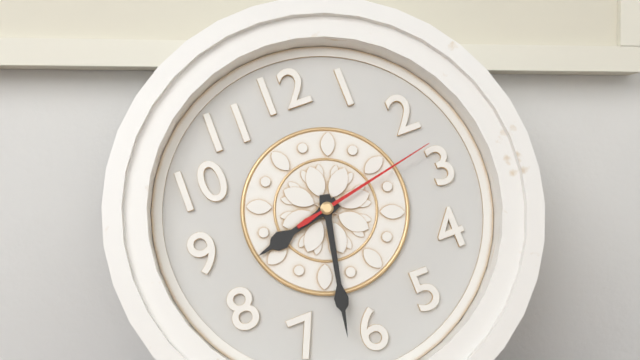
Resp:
8:32:13
